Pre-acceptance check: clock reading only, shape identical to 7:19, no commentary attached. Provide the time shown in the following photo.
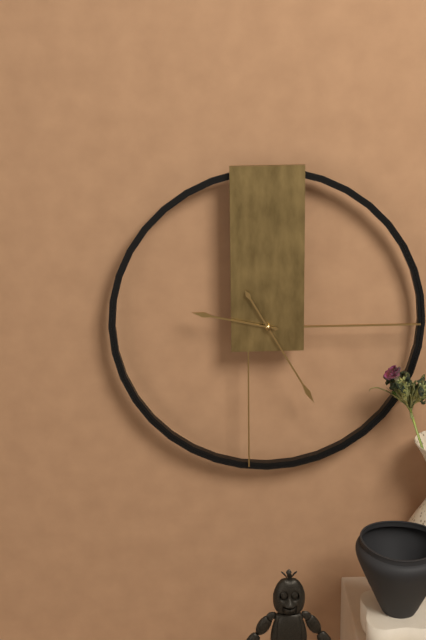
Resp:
9:25
